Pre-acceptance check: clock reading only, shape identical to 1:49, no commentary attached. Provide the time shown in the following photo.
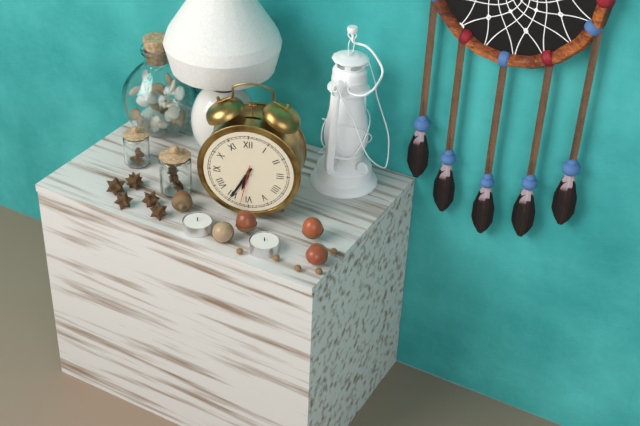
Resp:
6:35
